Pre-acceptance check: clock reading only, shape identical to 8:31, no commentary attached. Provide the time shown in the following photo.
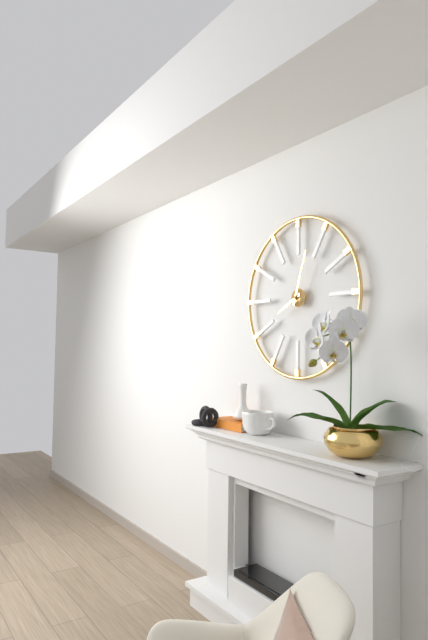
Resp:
8:03
